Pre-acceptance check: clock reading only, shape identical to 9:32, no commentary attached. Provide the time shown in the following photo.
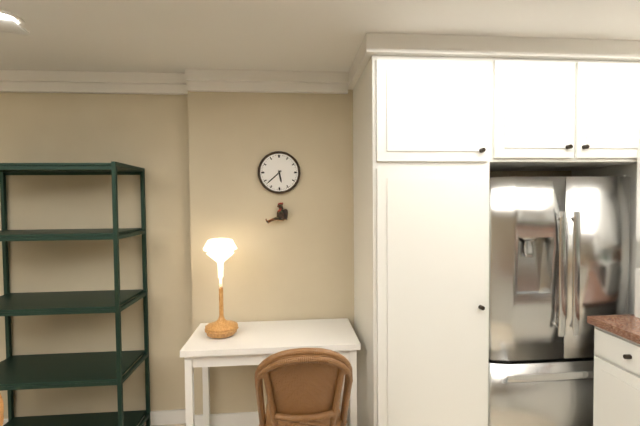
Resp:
5:38
